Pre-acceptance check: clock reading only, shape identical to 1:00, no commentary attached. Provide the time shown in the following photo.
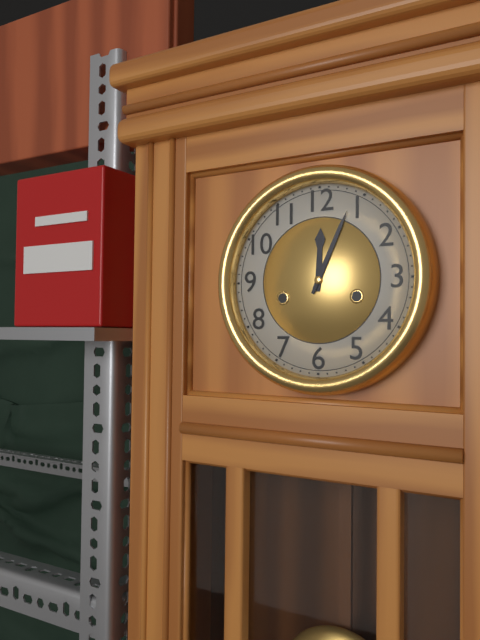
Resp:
12:04
